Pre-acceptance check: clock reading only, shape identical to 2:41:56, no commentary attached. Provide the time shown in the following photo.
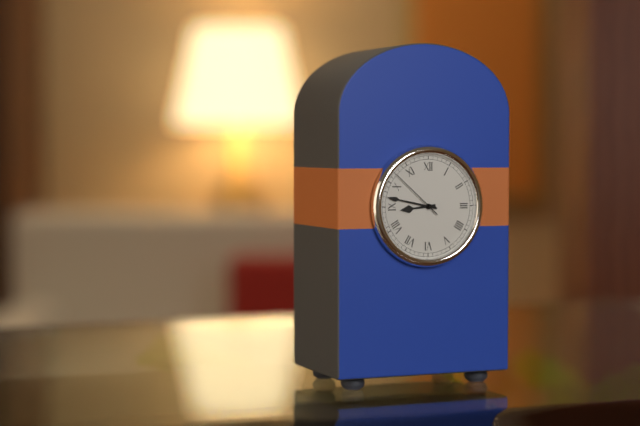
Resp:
8:47:52
